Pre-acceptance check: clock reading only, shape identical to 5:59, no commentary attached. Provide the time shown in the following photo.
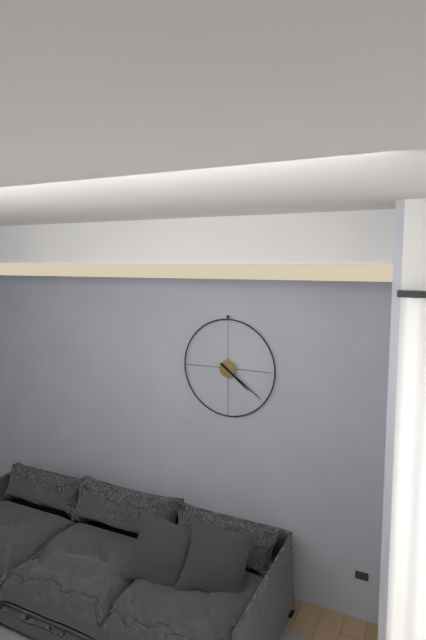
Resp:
4:21
